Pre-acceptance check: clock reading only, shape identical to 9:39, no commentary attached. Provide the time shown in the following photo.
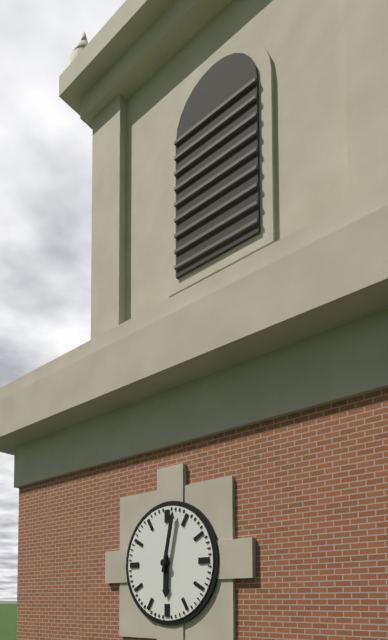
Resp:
6:02
